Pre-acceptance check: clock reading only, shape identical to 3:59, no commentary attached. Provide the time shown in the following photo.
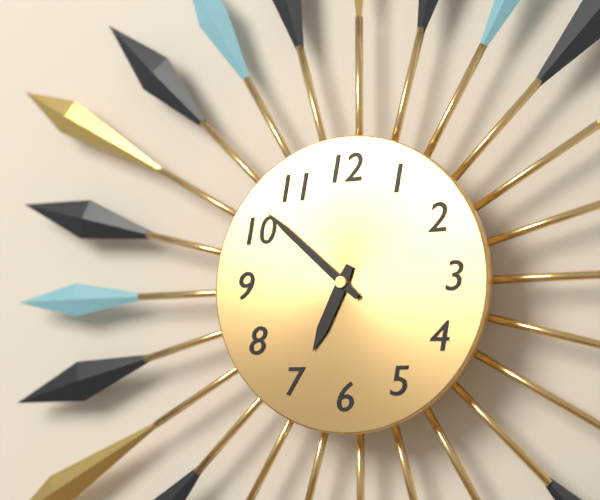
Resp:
6:52
